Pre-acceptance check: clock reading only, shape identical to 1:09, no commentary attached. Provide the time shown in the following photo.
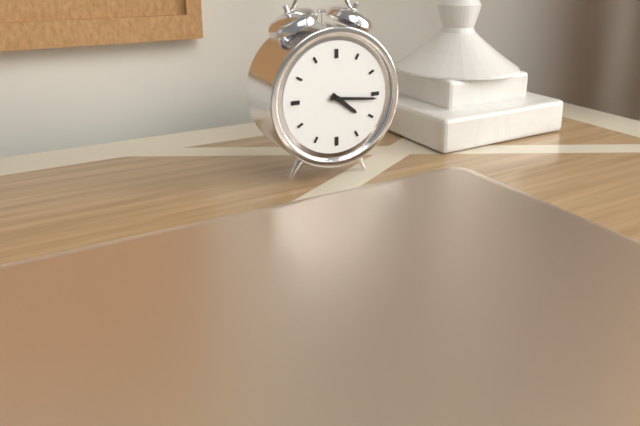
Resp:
4:16
